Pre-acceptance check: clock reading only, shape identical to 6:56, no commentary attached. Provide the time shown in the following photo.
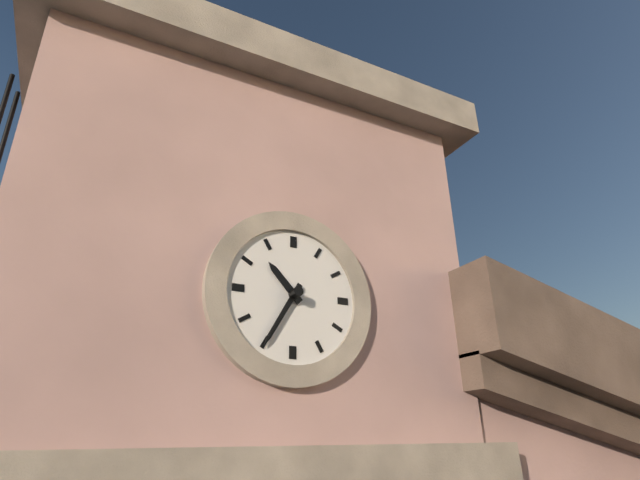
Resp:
10:35
